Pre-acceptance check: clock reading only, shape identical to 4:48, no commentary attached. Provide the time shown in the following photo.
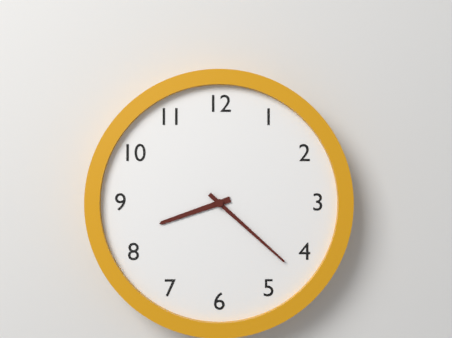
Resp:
8:22
